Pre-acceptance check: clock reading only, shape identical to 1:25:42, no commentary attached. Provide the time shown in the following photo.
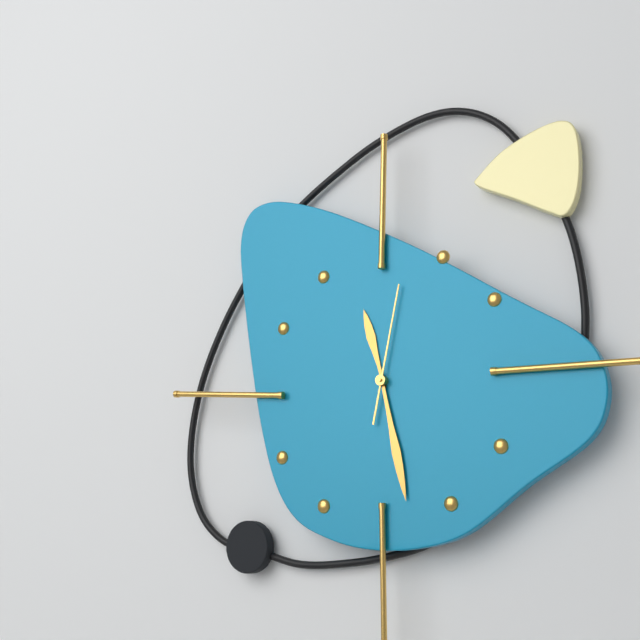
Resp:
11:28:02
